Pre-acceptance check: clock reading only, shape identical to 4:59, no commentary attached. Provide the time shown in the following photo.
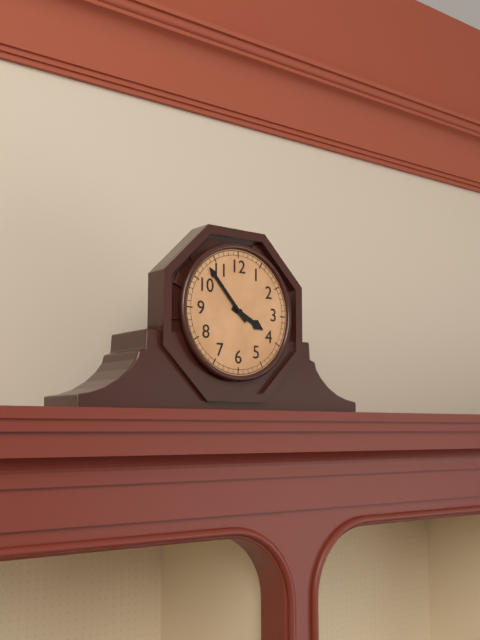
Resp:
3:53
